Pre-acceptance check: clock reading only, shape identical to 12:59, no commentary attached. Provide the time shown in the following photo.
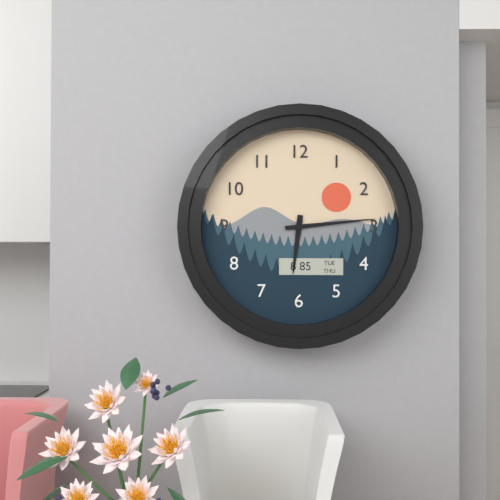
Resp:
6:14
